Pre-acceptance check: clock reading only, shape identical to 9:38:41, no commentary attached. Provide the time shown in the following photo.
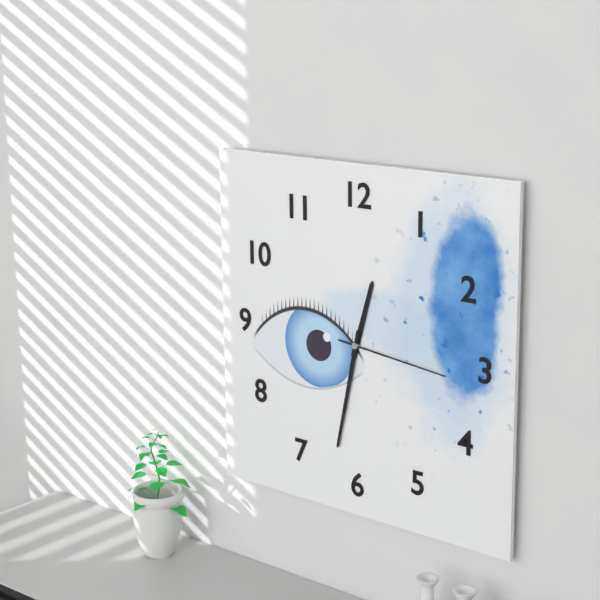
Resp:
12:32:16
